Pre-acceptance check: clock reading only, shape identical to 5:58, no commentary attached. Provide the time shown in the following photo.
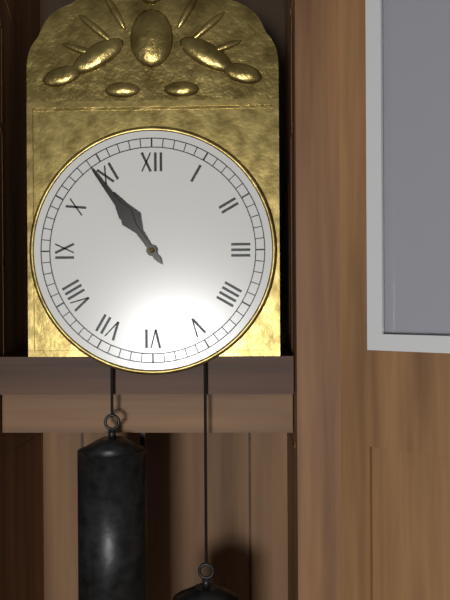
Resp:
10:54
